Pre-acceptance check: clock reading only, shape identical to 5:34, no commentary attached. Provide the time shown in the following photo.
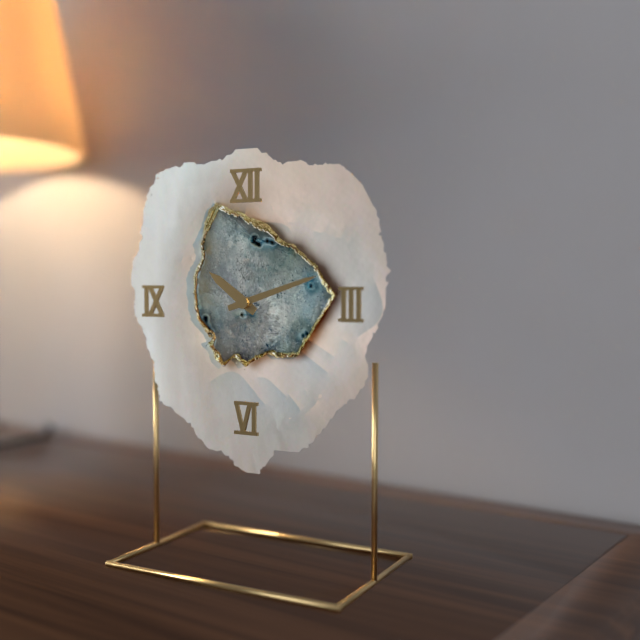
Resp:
10:12
